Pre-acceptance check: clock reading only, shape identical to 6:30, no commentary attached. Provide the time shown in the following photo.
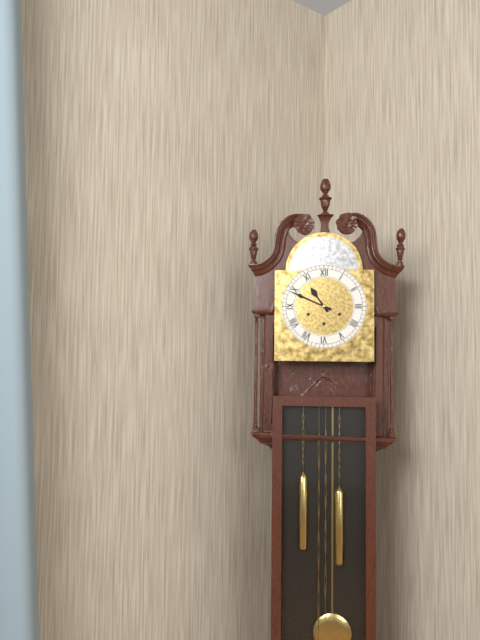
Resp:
10:49
